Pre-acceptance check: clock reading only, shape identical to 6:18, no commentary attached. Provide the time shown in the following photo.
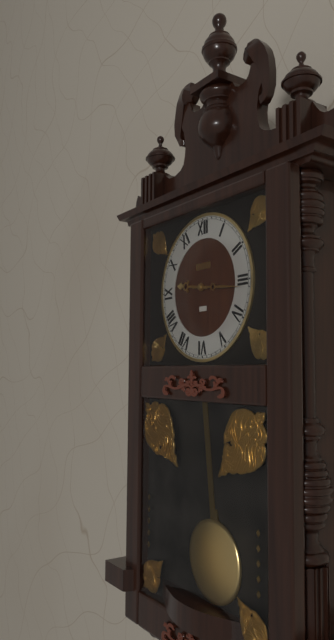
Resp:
9:16
